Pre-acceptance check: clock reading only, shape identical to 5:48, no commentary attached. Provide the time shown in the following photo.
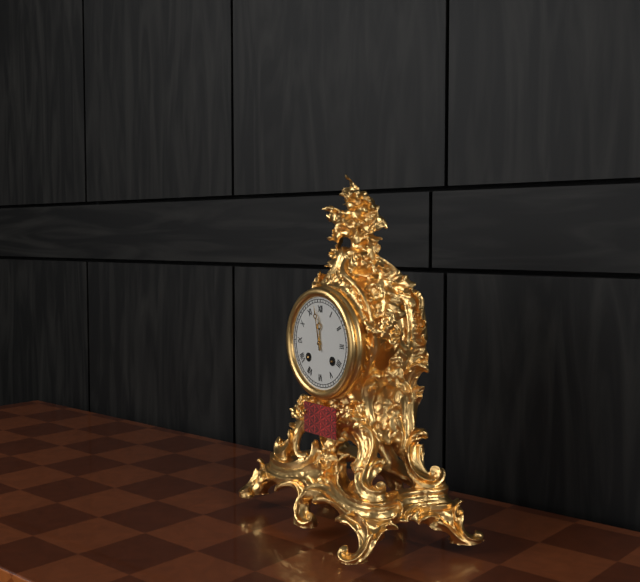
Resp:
11:58
